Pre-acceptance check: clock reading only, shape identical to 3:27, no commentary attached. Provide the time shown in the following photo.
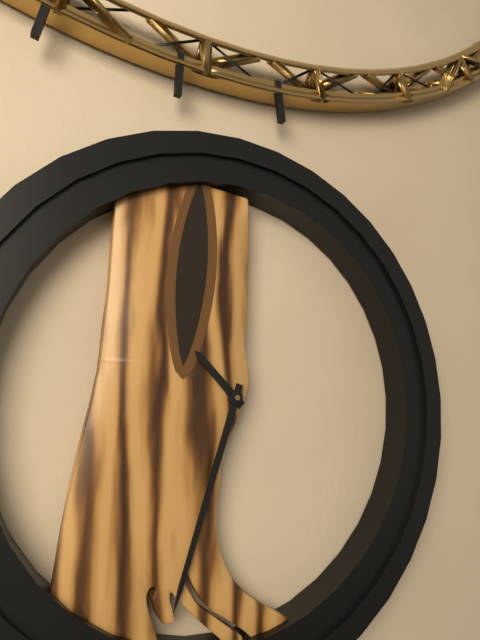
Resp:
10:33
